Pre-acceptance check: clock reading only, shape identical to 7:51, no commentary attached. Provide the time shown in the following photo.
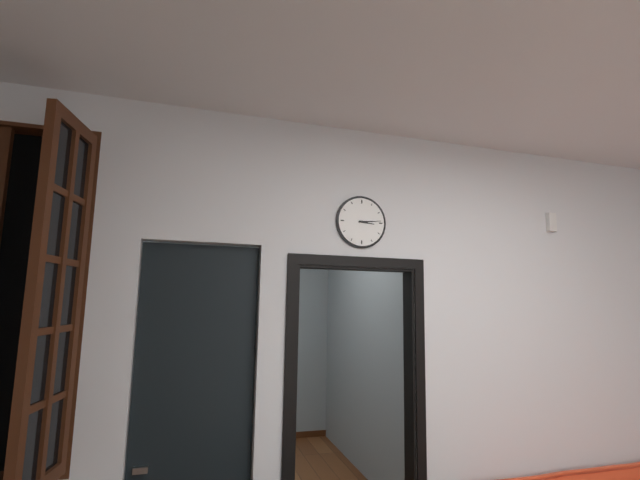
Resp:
3:14
